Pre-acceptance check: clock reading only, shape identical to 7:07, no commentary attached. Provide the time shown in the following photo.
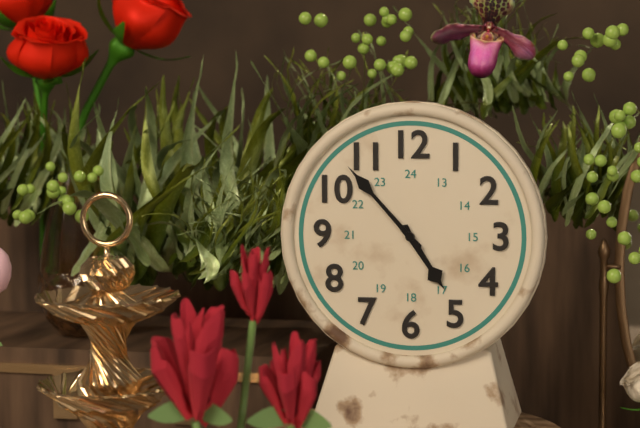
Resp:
4:53
